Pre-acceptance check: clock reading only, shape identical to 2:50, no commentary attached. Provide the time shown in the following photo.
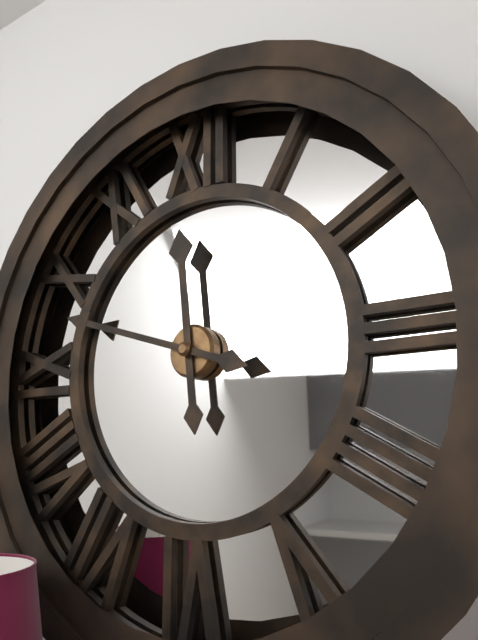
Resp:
11:48
